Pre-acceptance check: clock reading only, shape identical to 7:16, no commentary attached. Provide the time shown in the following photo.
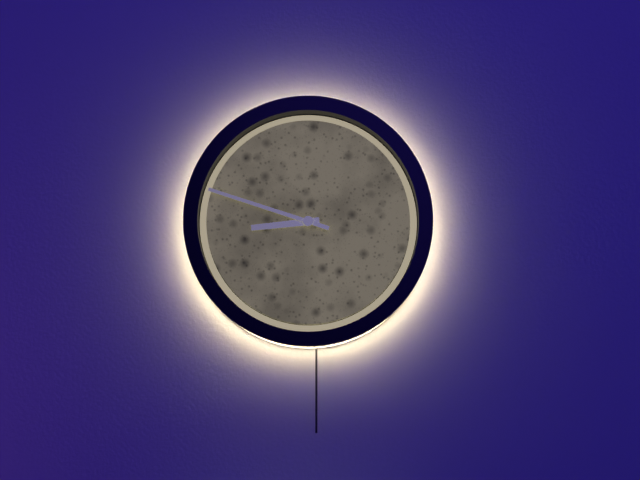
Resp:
8:48
